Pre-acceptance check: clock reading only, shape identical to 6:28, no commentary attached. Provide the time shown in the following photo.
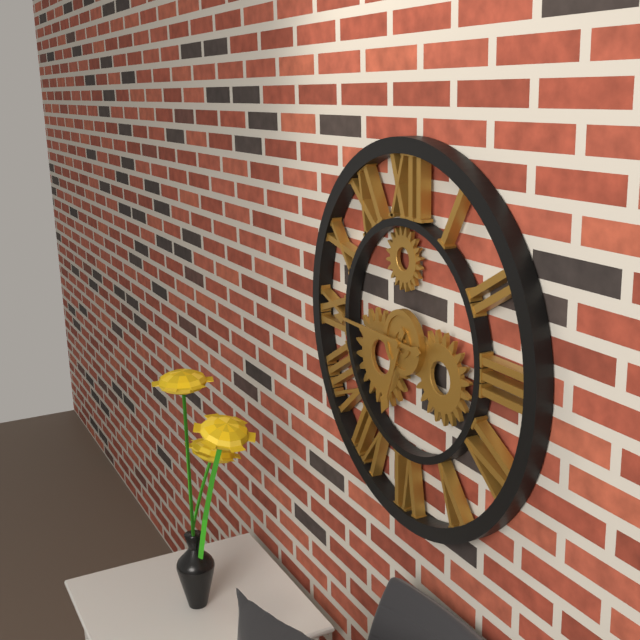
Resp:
6:45
